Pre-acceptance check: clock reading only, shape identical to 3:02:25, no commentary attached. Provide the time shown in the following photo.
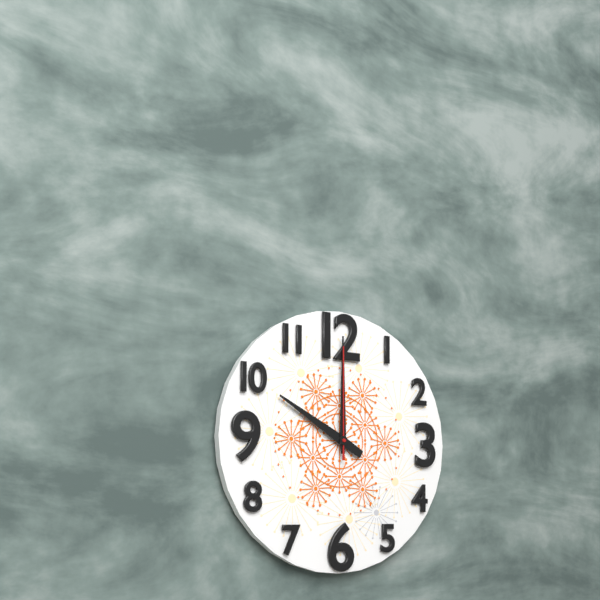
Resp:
10:00:00
